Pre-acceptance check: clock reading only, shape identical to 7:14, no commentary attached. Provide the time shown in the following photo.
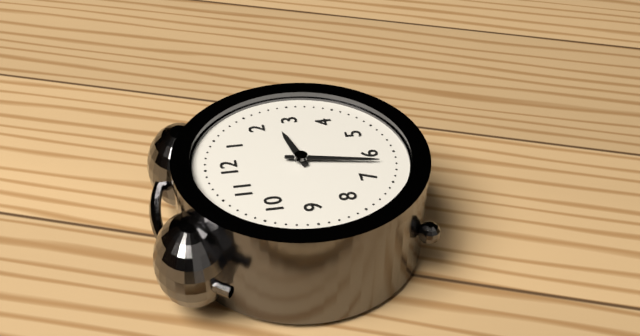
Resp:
2:32
